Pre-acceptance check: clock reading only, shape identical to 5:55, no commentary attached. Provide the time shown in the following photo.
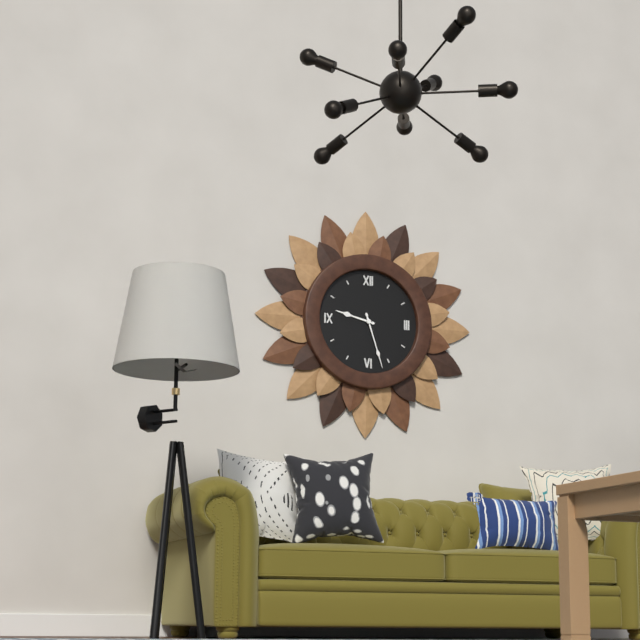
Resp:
9:27
